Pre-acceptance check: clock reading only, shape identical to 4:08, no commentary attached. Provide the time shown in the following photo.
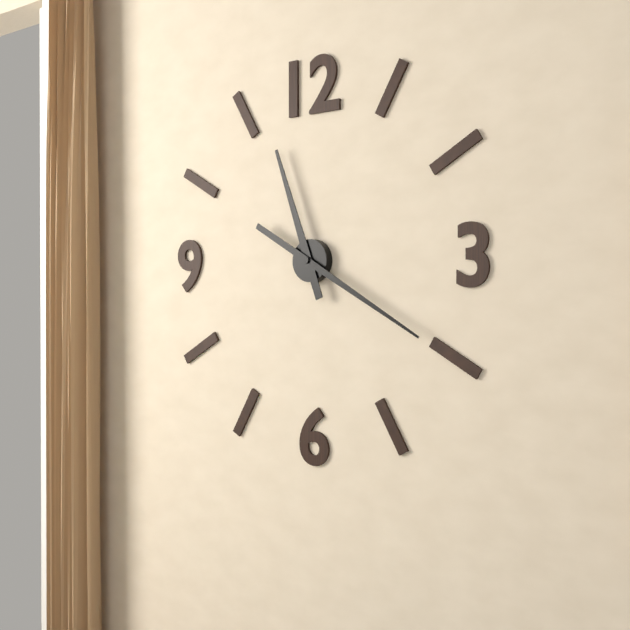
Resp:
11:20
